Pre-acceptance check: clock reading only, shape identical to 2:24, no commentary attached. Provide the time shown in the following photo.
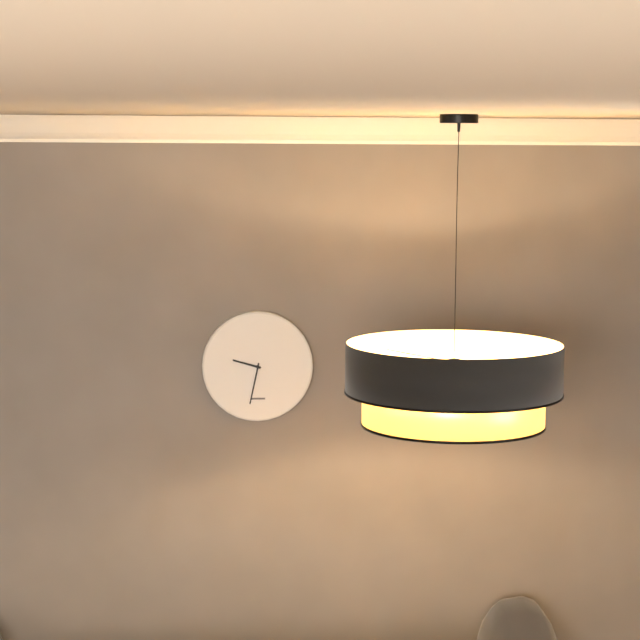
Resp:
9:32
